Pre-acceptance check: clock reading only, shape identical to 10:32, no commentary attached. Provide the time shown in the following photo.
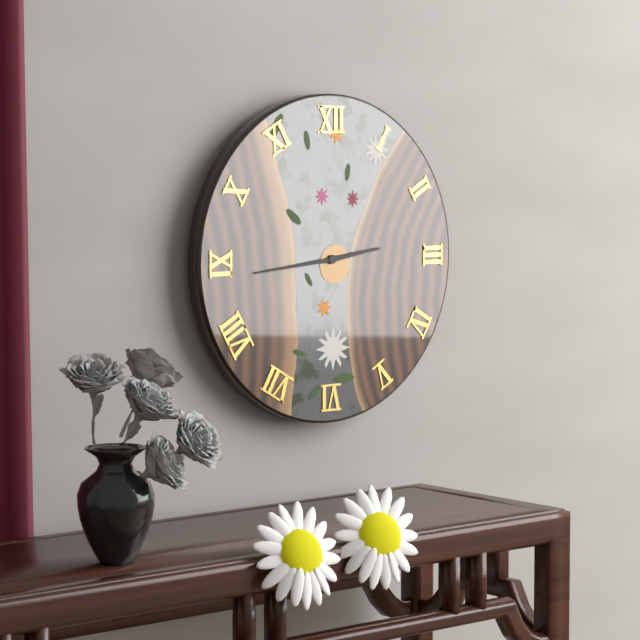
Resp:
2:44
